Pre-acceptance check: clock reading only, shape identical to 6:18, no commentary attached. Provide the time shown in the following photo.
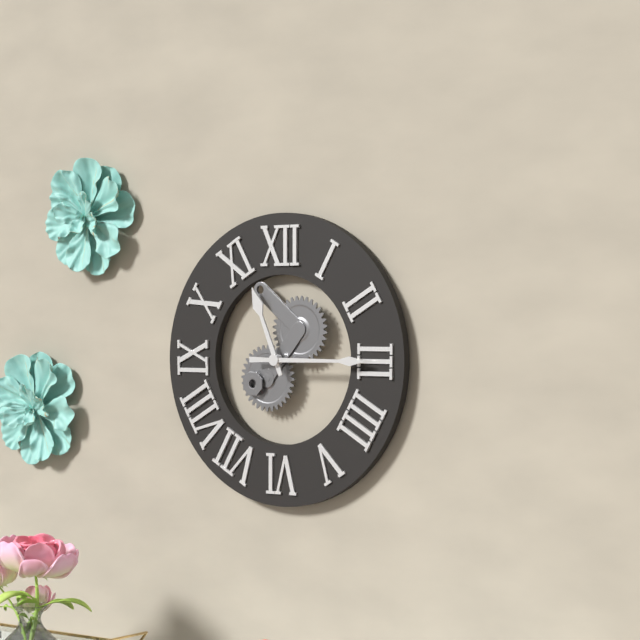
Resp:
11:15
